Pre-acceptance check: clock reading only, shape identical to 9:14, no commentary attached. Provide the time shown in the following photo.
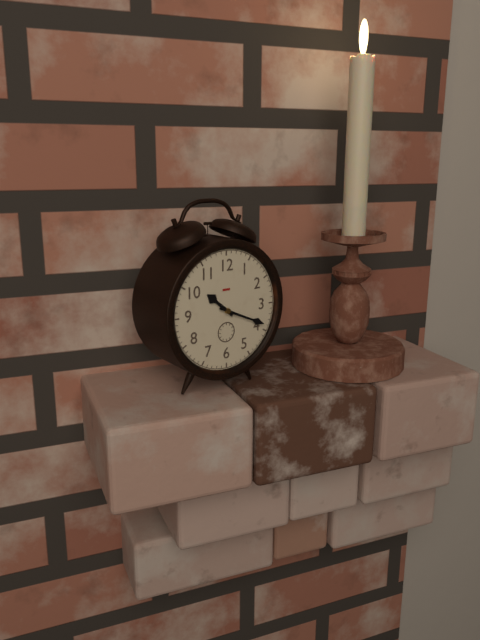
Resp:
10:19
